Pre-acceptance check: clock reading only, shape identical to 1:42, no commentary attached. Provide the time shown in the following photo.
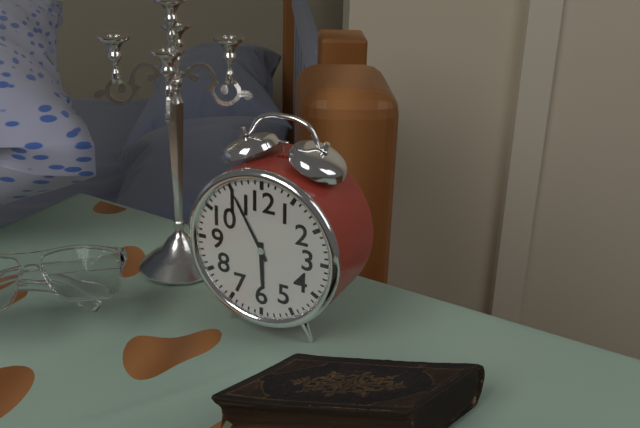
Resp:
5:55
